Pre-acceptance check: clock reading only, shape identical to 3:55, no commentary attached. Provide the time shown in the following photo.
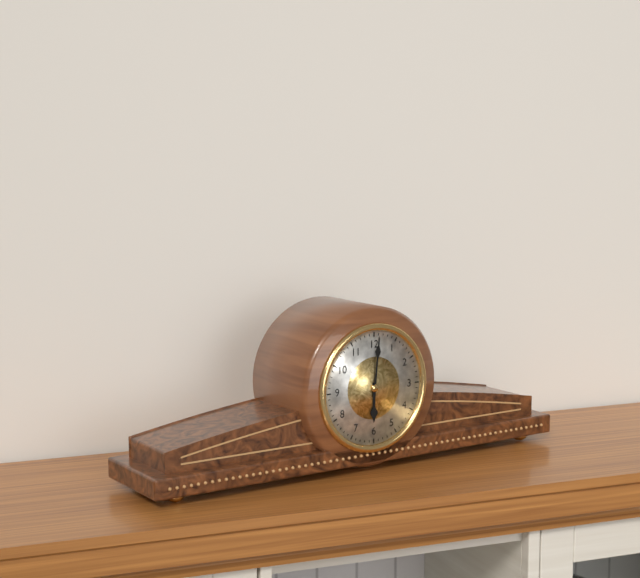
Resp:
6:01
